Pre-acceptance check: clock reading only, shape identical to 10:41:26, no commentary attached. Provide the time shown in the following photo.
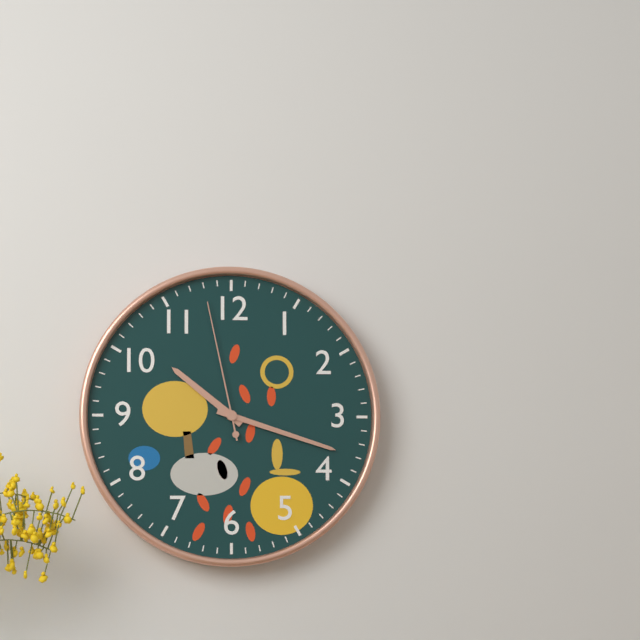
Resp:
10:18:58
